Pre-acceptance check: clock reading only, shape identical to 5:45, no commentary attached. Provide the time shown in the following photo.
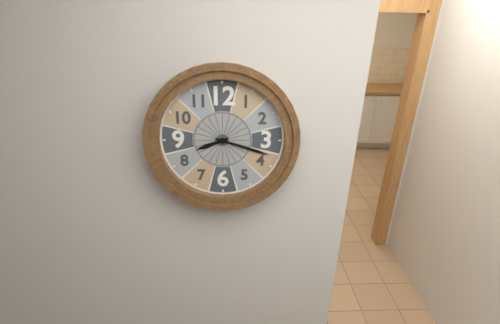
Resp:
8:18
